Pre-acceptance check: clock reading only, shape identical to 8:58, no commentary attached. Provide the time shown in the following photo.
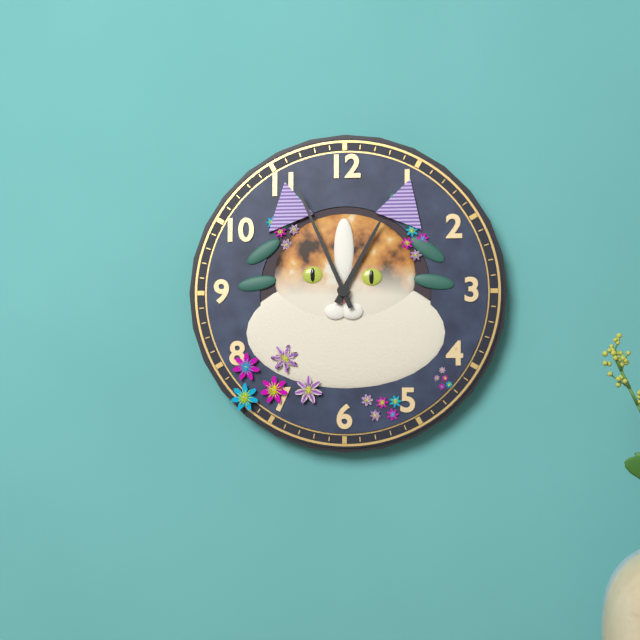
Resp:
12:56
